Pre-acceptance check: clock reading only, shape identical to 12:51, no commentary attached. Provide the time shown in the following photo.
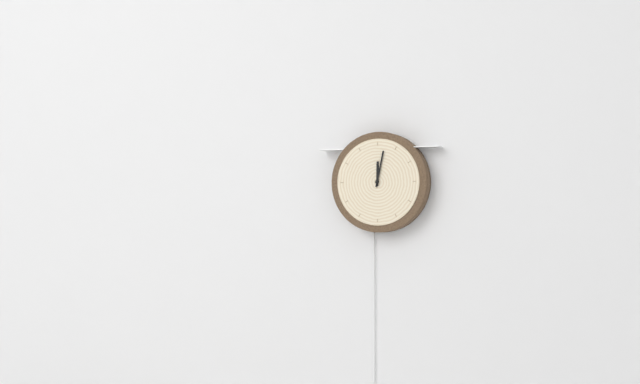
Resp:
12:02
